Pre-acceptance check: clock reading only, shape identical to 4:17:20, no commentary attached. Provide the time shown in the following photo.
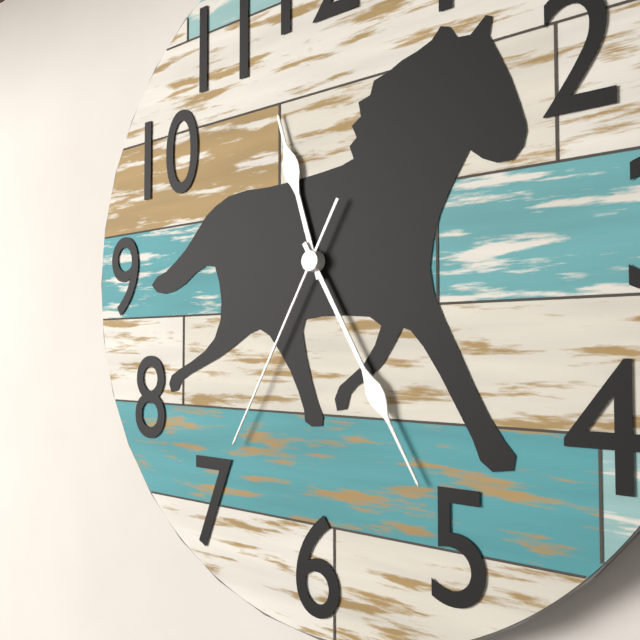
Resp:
11:25:35
